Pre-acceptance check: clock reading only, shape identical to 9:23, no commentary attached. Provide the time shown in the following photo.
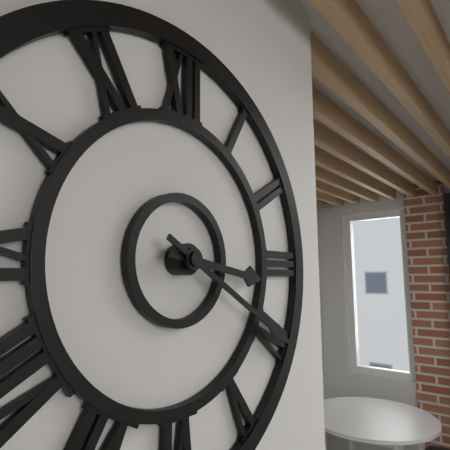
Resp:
3:20
